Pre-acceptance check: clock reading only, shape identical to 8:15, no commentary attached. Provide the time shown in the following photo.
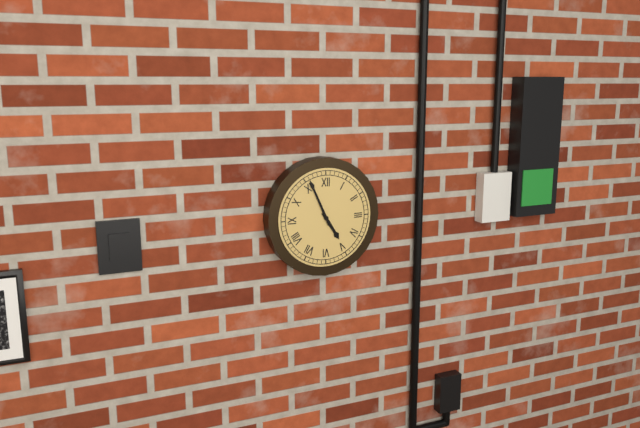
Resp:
4:56
